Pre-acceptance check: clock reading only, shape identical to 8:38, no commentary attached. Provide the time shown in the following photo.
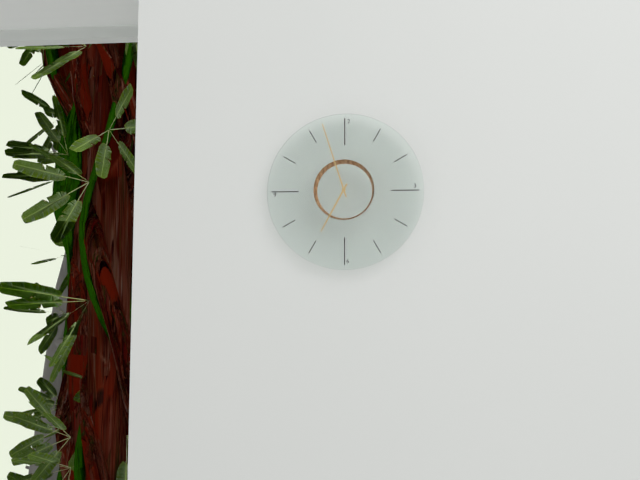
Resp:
6:57
